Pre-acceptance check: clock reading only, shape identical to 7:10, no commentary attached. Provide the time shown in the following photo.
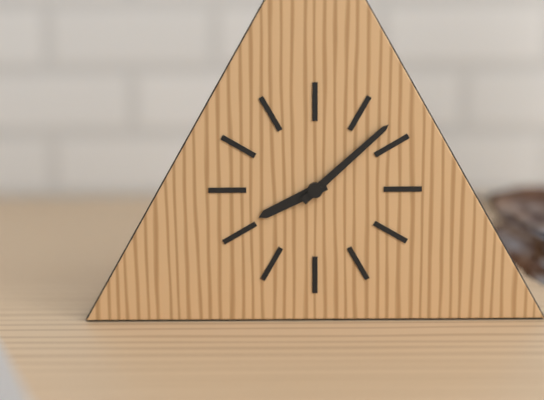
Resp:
8:08
